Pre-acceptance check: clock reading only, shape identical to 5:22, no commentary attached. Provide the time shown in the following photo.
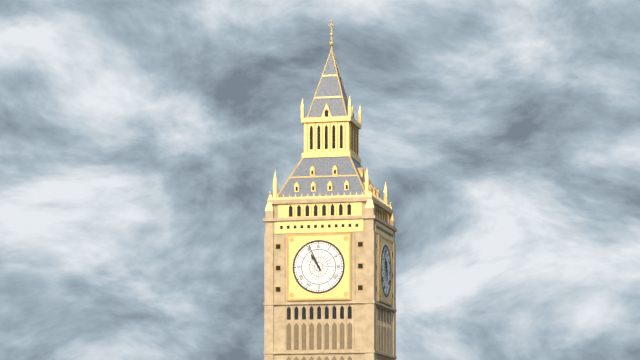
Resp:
10:56
